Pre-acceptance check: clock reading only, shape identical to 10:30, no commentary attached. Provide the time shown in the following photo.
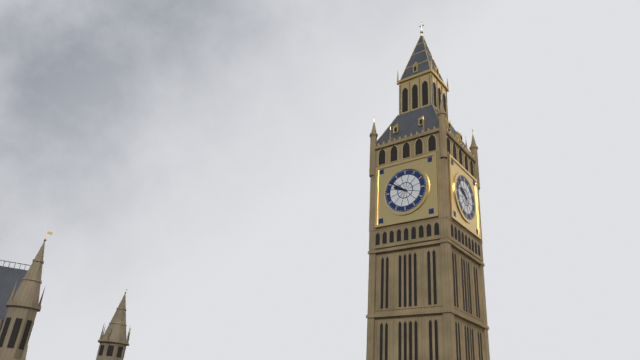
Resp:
9:51
